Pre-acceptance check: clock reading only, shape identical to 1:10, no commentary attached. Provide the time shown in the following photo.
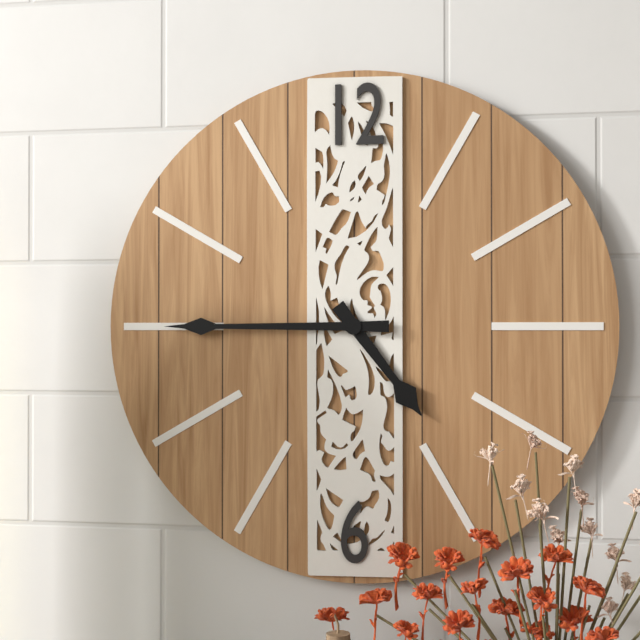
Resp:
4:45
